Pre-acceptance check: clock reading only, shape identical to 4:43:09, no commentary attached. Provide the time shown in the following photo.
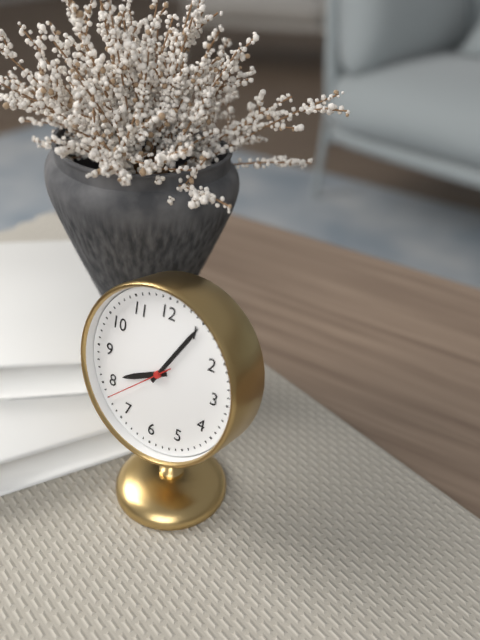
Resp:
8:05:38
